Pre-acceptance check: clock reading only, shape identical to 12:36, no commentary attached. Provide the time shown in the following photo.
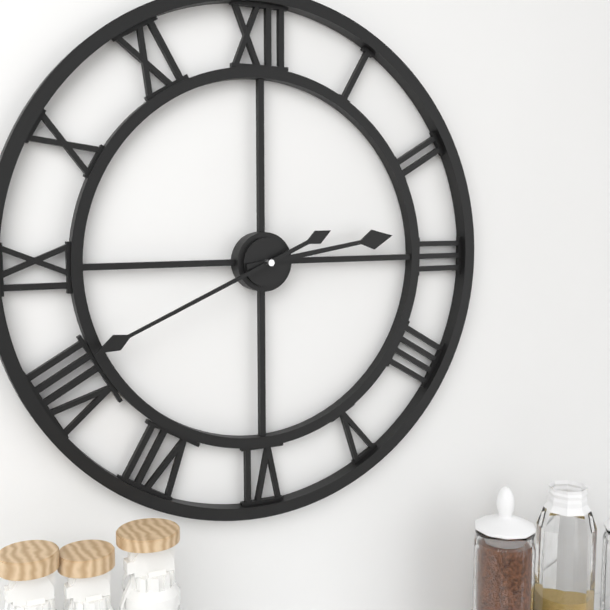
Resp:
2:41
